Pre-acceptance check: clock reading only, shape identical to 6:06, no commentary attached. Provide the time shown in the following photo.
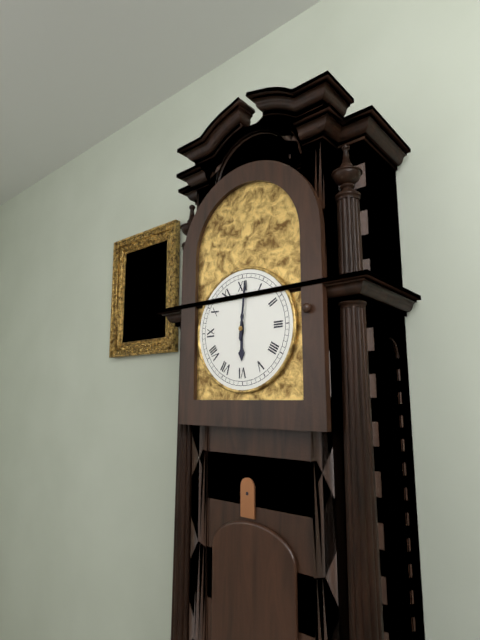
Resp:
6:01
